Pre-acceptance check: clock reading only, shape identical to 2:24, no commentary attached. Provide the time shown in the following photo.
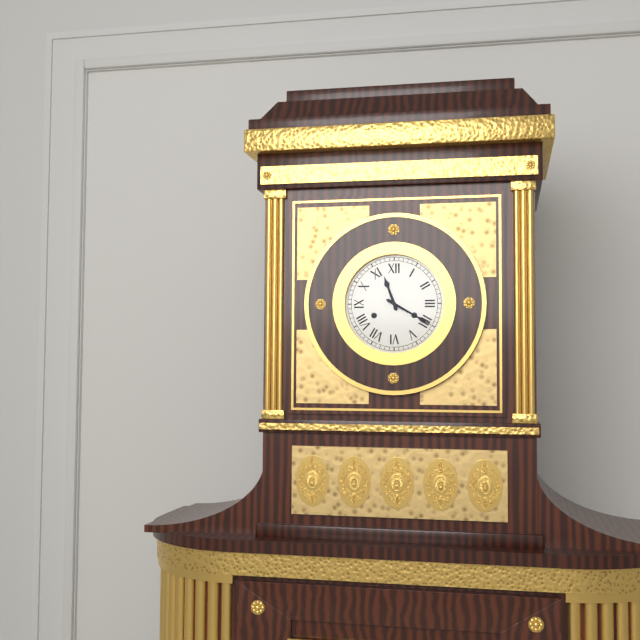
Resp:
11:20
